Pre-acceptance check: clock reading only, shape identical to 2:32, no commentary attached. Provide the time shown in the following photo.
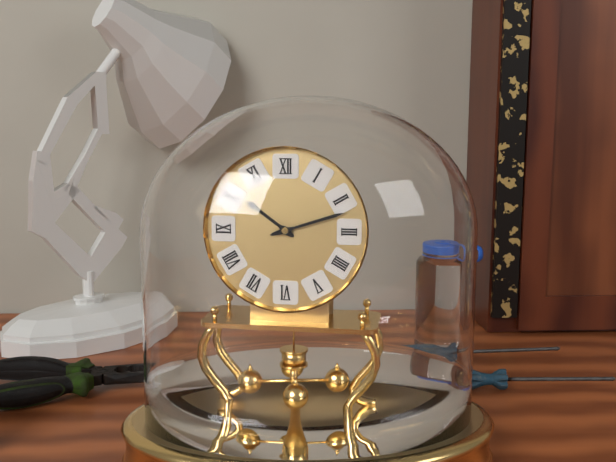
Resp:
10:12
